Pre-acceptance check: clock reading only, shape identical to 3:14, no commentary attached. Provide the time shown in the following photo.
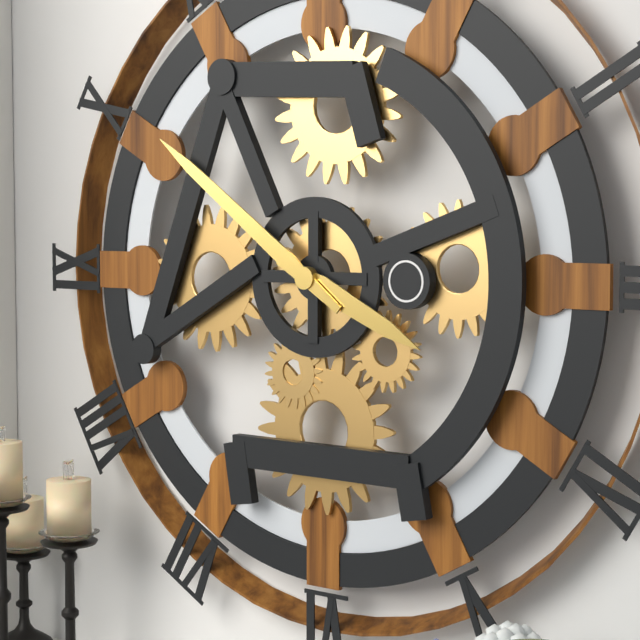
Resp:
3:51
